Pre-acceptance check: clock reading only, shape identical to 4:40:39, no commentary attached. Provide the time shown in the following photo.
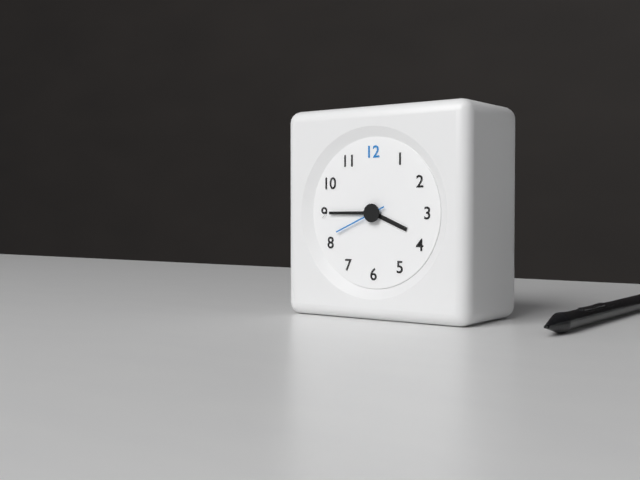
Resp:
3:45:41
